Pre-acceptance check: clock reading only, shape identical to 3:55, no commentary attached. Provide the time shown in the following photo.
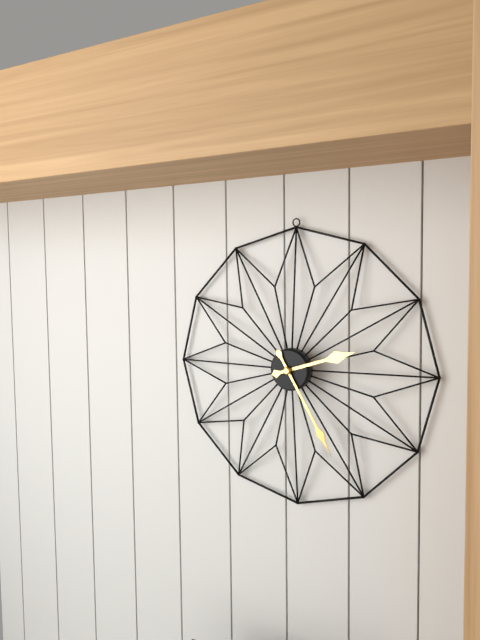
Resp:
2:25
